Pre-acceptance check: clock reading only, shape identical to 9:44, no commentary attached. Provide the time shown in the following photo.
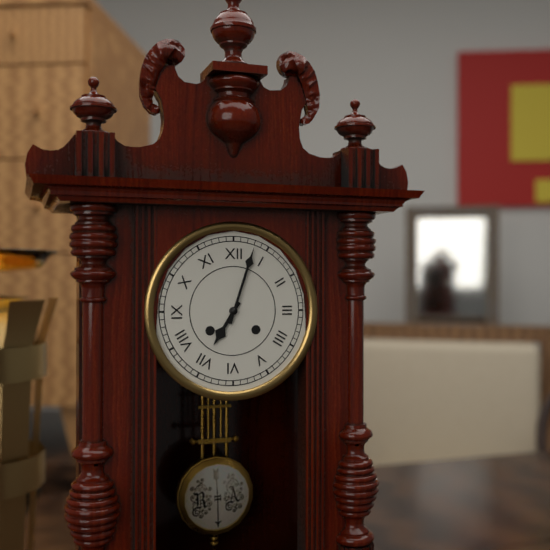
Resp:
7:03
